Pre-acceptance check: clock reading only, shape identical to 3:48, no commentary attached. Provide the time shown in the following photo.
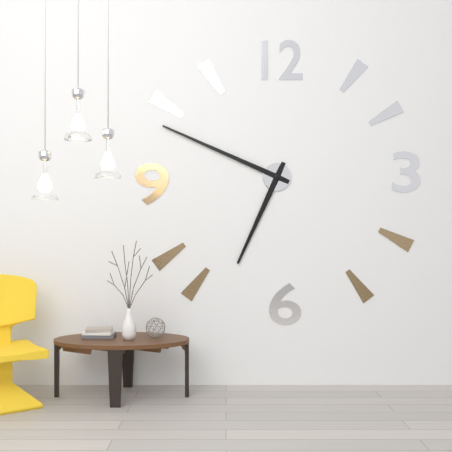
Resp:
6:49
